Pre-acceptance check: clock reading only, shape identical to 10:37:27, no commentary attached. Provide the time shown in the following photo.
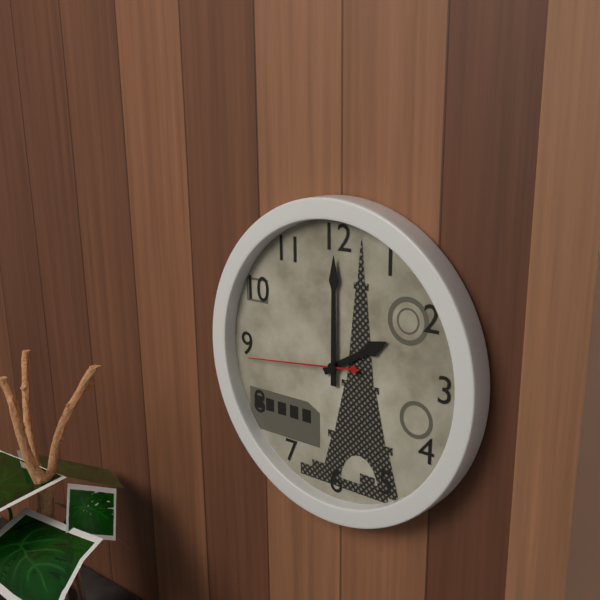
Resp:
2:00:44
